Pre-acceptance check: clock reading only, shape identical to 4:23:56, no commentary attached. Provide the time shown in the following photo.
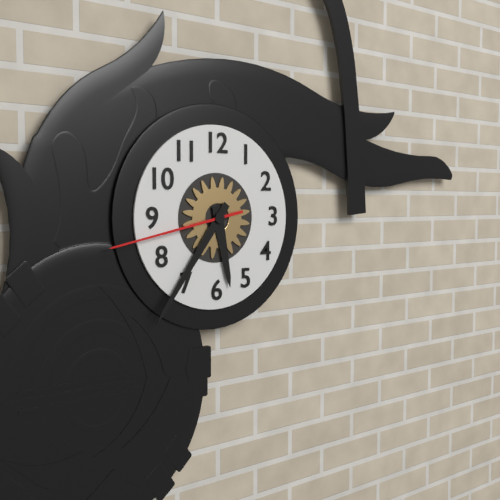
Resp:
5:36:43
